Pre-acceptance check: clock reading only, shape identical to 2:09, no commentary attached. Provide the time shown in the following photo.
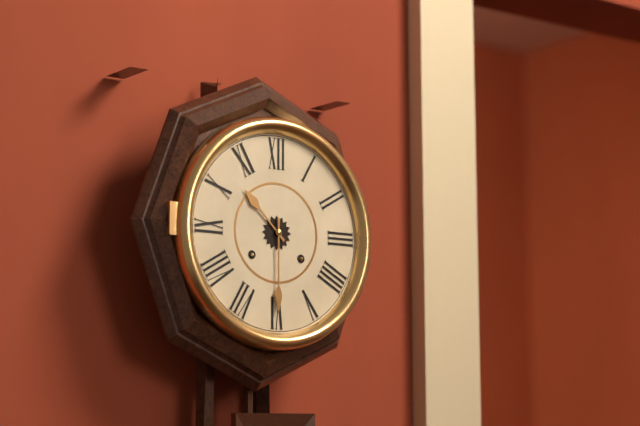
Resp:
10:30
